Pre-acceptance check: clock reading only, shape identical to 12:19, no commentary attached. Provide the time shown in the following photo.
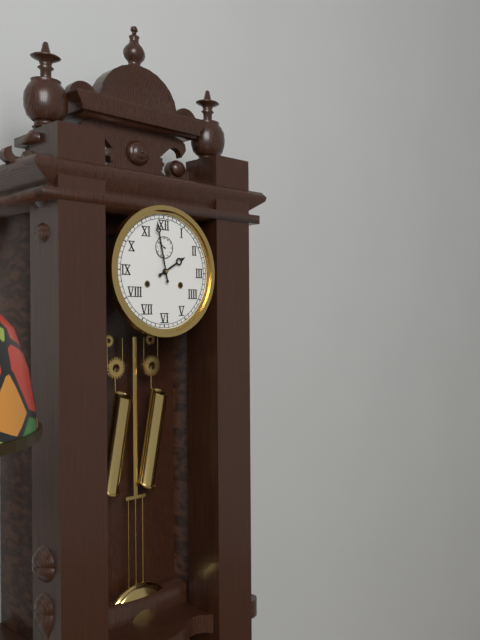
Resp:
1:58
